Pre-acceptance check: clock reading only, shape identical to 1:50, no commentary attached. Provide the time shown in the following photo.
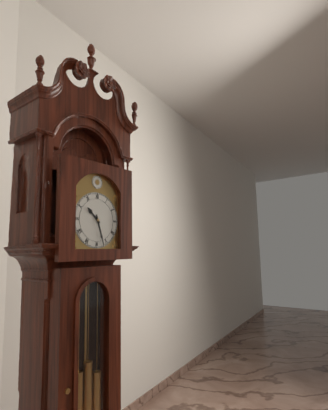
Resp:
10:27
